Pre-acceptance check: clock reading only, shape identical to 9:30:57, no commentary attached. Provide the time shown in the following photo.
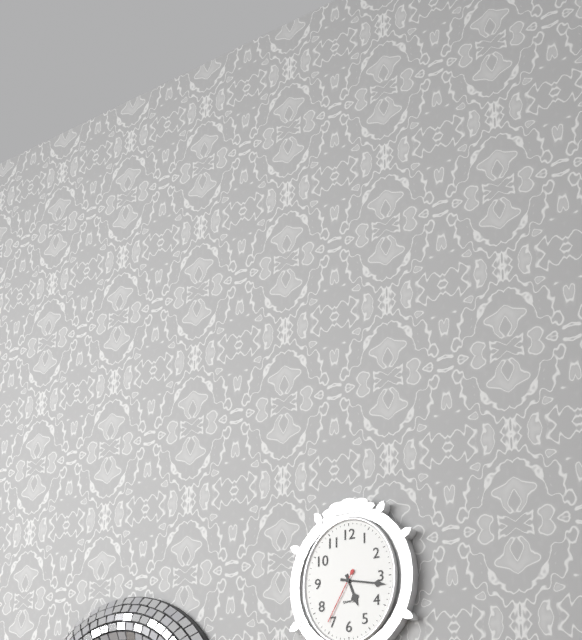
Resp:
5:17:35
